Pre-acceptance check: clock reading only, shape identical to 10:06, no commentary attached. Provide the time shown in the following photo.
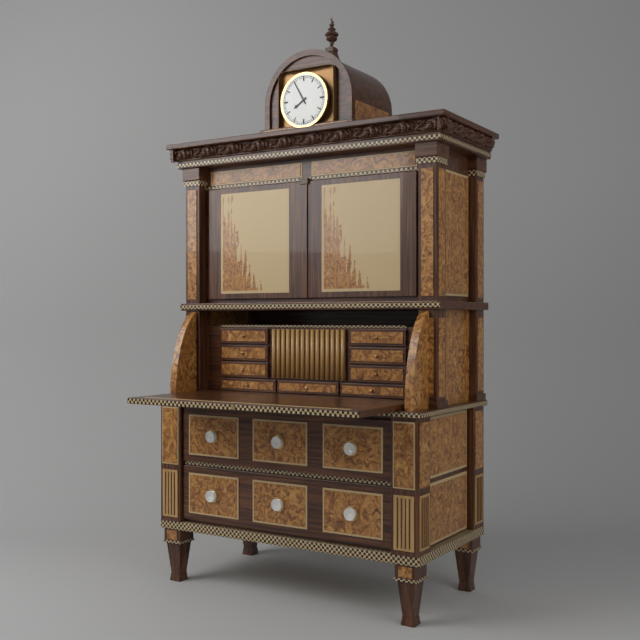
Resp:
7:55
